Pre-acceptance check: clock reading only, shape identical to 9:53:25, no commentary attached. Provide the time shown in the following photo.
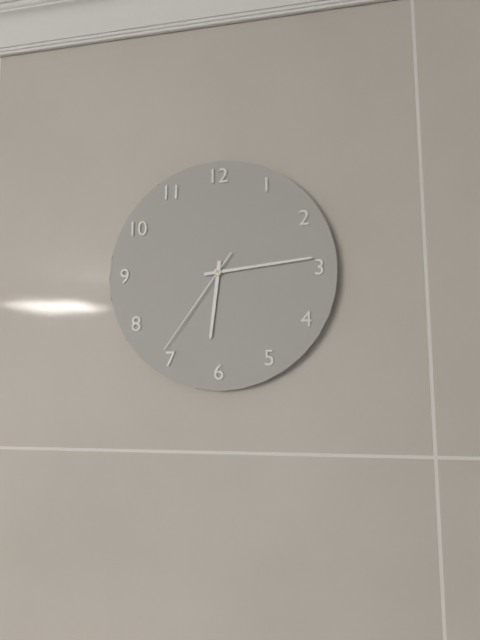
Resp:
6:14:36
